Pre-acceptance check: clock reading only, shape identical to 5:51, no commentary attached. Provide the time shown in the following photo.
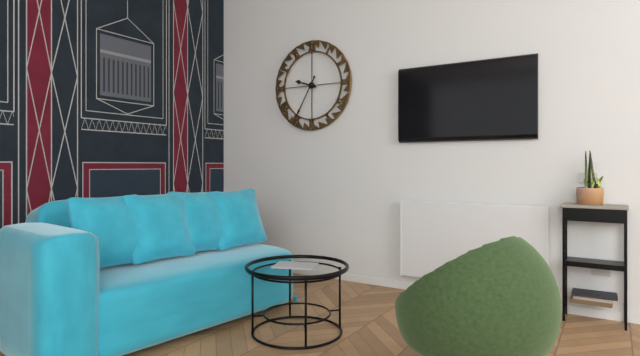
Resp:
9:35
